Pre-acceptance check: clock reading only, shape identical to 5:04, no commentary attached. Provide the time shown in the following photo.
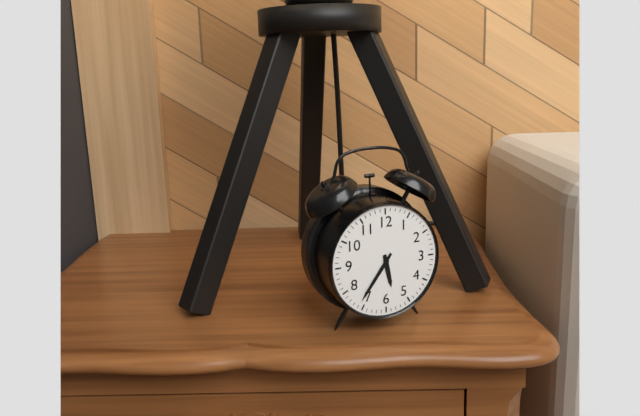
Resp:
5:36
